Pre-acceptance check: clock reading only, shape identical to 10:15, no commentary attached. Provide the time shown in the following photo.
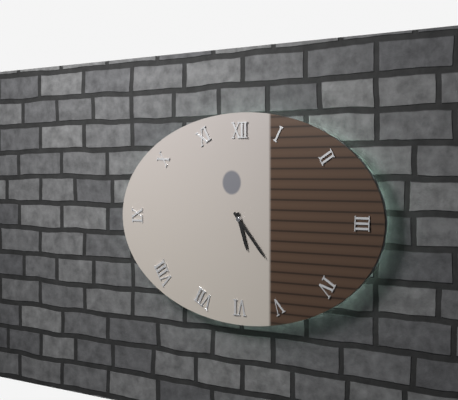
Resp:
5:23
